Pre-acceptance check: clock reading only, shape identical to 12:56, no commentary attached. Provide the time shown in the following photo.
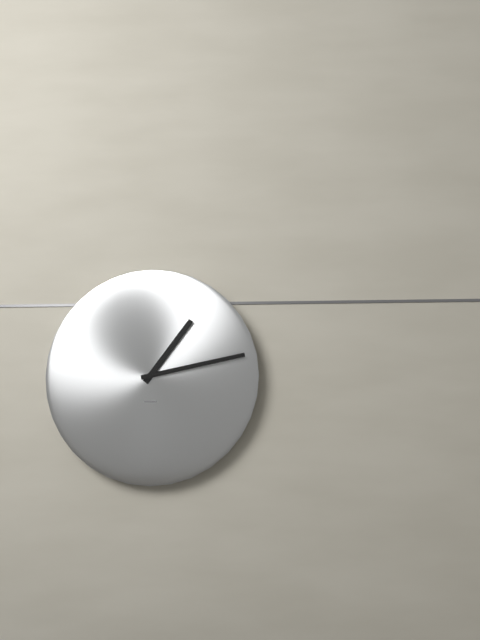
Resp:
1:13
